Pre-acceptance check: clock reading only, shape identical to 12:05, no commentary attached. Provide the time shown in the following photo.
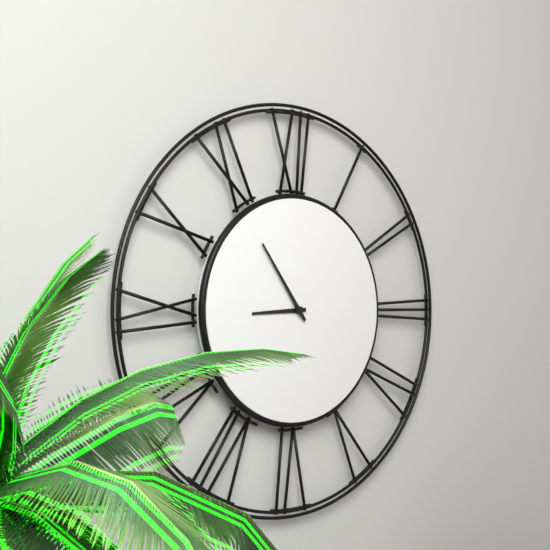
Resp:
8:54
